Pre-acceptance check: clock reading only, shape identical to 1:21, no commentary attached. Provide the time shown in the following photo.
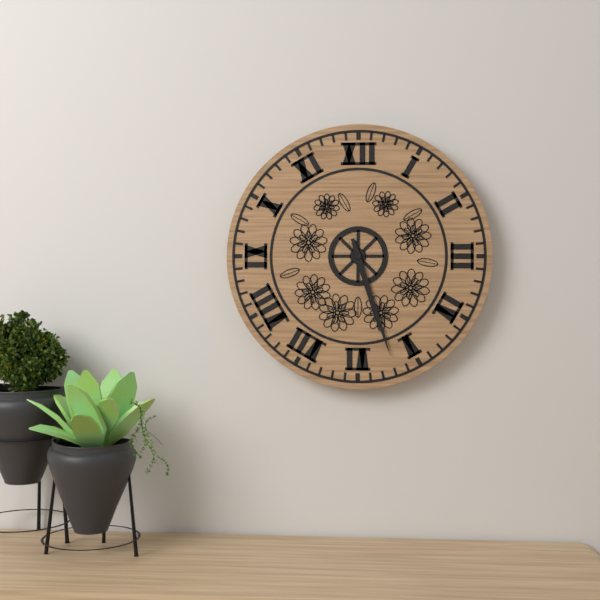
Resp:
5:27
